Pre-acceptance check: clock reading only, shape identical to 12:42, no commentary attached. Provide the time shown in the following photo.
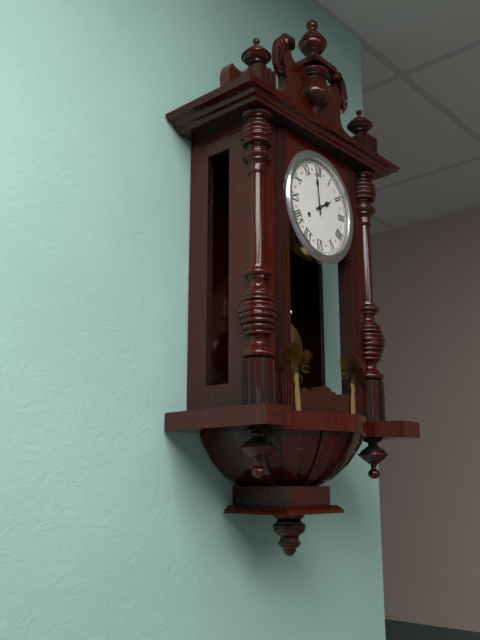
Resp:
1:59
